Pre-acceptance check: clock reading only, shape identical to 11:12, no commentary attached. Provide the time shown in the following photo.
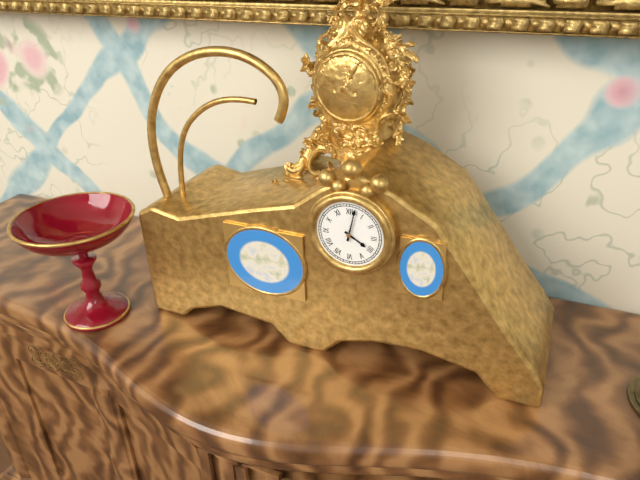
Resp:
4:02
